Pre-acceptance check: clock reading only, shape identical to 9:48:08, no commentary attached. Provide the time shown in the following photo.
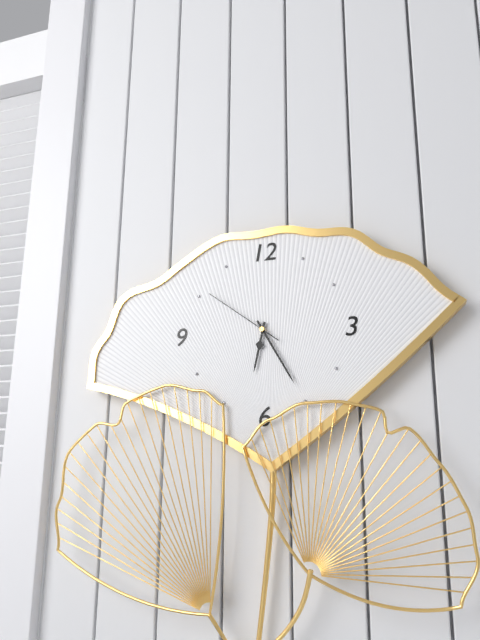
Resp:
6:25:51
